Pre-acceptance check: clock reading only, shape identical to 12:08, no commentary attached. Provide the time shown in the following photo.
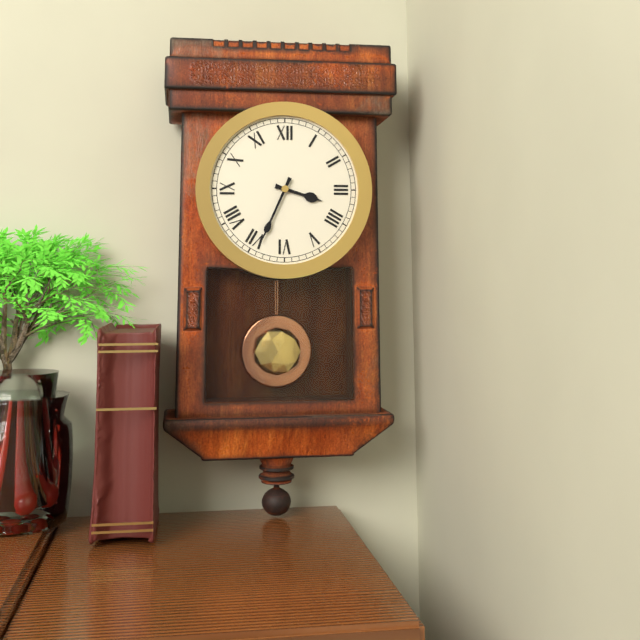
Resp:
3:34
